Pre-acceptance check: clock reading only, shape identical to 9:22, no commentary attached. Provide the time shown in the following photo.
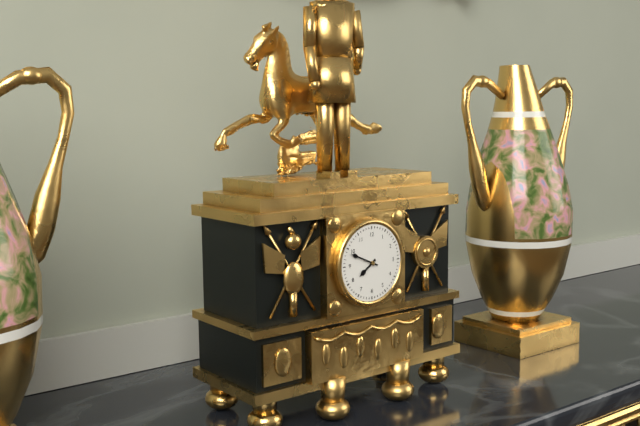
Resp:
7:49
